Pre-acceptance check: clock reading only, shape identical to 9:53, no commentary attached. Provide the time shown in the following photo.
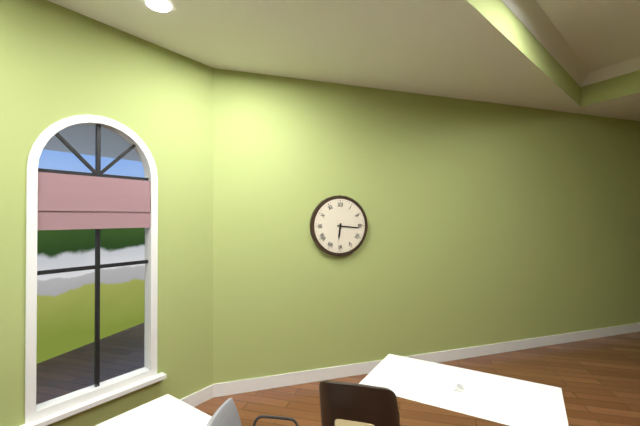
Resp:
6:16
